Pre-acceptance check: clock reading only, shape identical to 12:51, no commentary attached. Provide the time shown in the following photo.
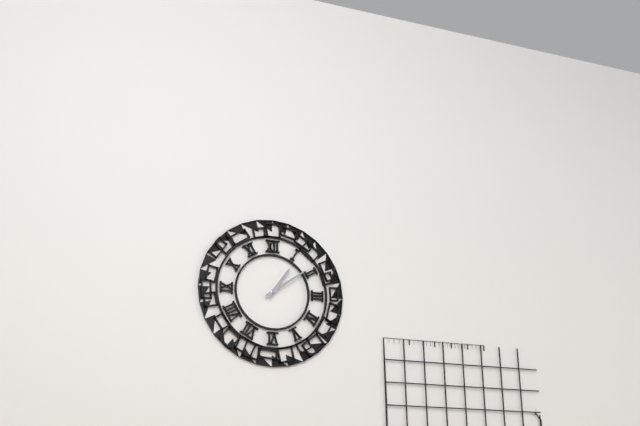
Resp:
1:09
